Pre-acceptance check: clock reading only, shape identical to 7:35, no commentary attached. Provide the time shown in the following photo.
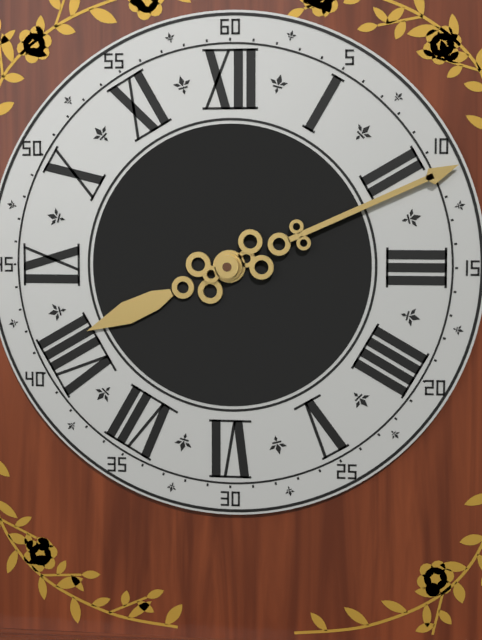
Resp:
8:11
